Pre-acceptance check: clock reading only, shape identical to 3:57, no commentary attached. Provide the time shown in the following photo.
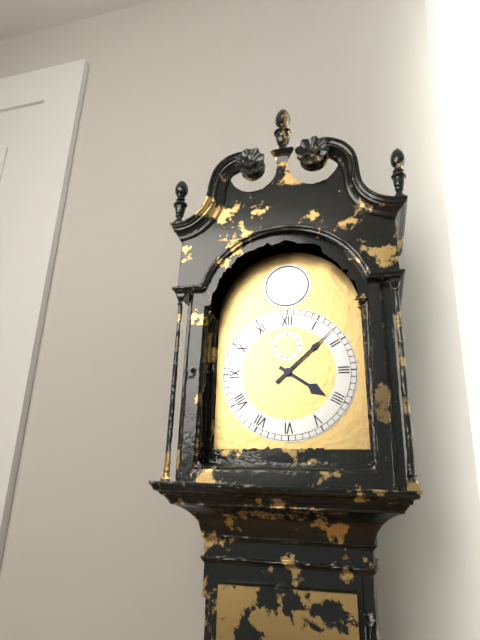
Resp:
4:08
